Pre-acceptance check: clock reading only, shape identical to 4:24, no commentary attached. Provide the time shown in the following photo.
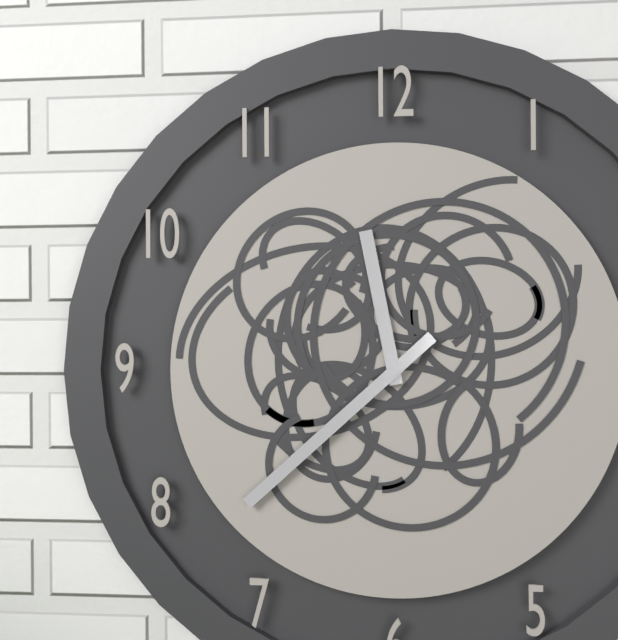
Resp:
11:38
